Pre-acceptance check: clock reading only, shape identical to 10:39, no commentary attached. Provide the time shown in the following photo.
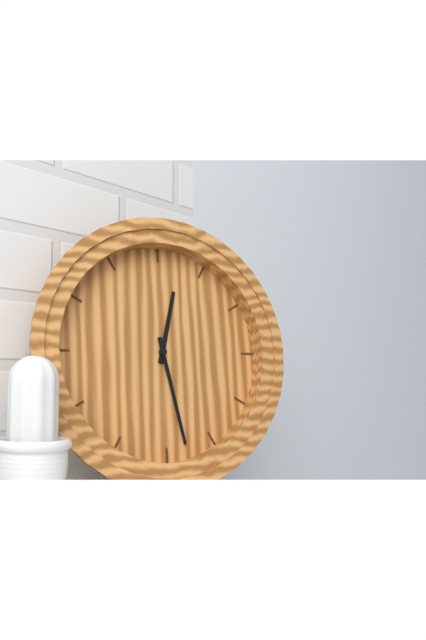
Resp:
12:28
